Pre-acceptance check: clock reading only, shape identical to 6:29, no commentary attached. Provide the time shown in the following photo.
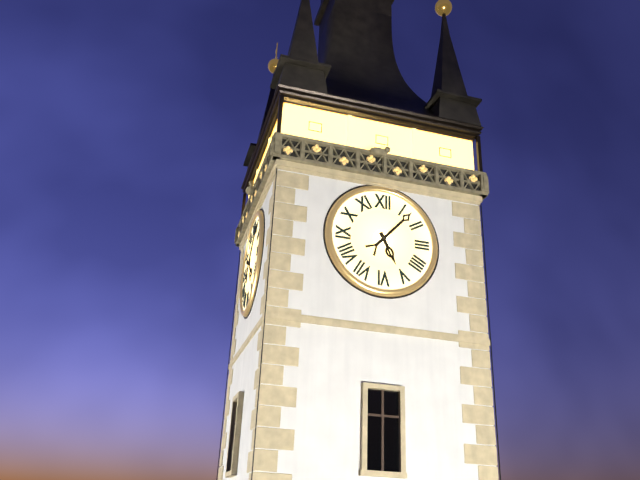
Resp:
5:07
